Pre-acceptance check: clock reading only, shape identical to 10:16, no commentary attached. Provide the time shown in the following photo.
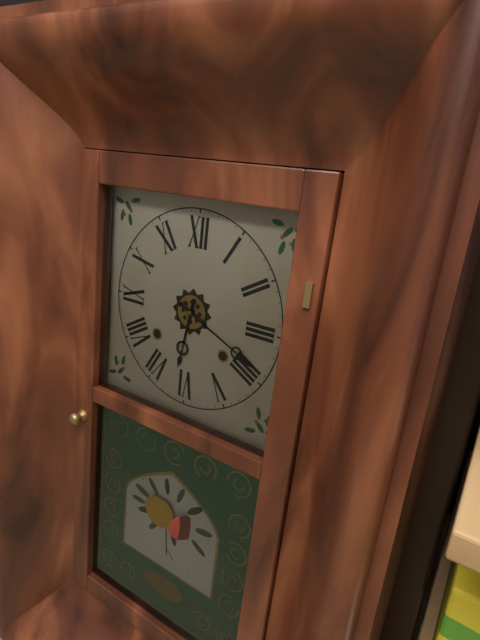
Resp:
6:19
